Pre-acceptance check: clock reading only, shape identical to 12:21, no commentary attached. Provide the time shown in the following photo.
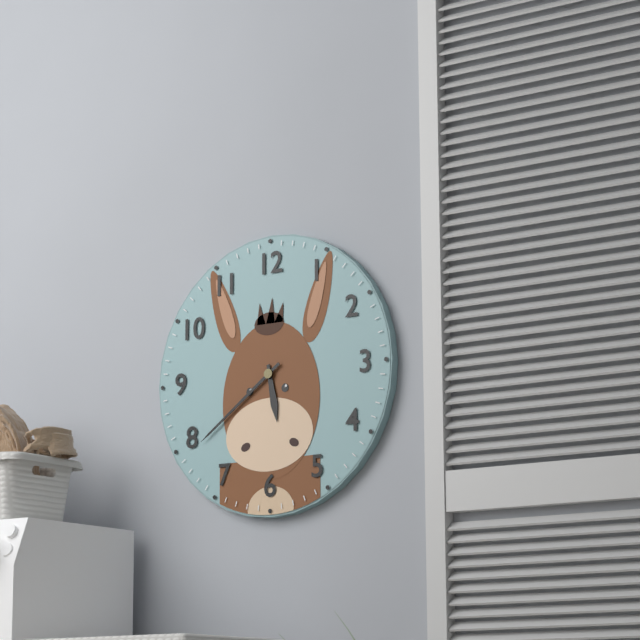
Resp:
5:39
